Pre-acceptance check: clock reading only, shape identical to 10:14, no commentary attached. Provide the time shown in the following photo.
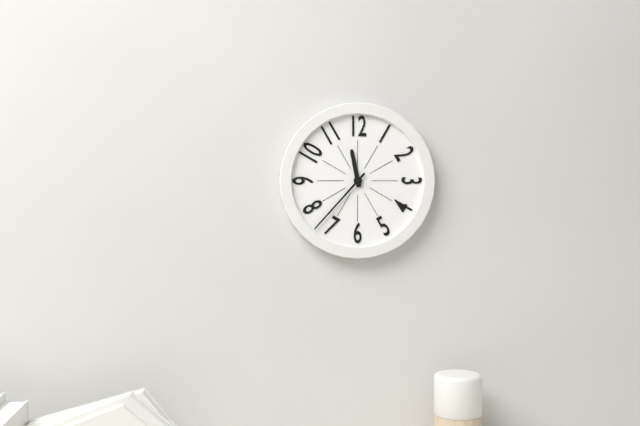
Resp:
11:37
